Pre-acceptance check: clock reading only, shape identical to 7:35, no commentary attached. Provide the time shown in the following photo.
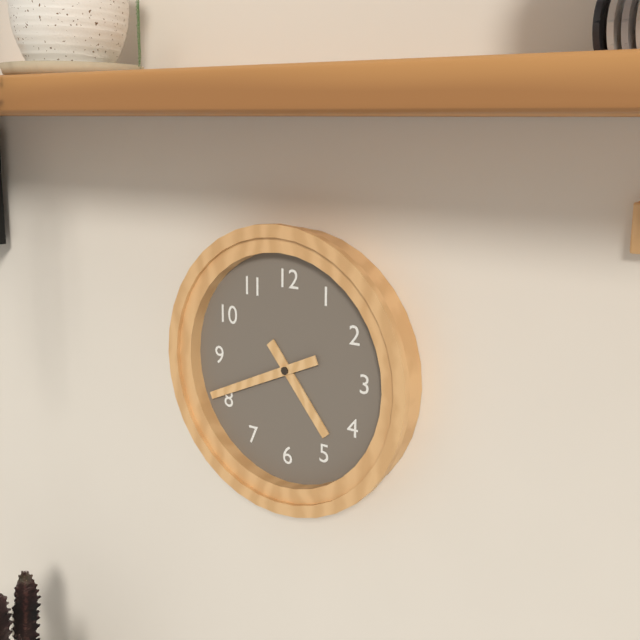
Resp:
4:41
